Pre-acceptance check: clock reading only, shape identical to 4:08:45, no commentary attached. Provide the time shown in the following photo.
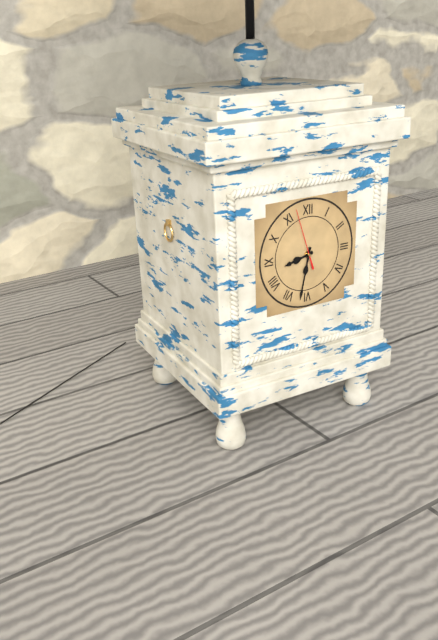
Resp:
8:32:57
